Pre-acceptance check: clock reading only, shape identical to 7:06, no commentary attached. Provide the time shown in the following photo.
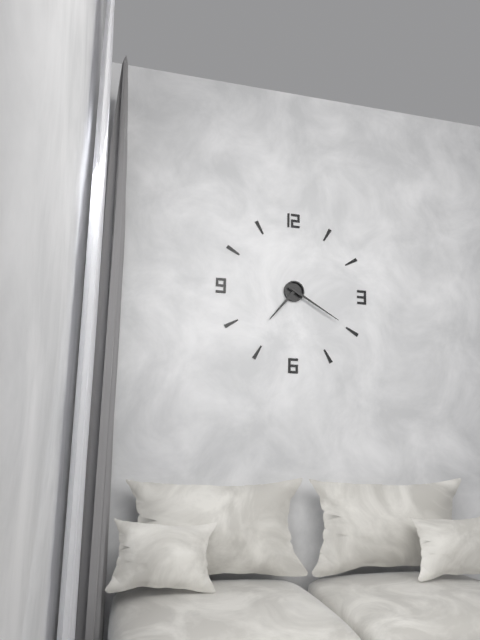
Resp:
7:20
